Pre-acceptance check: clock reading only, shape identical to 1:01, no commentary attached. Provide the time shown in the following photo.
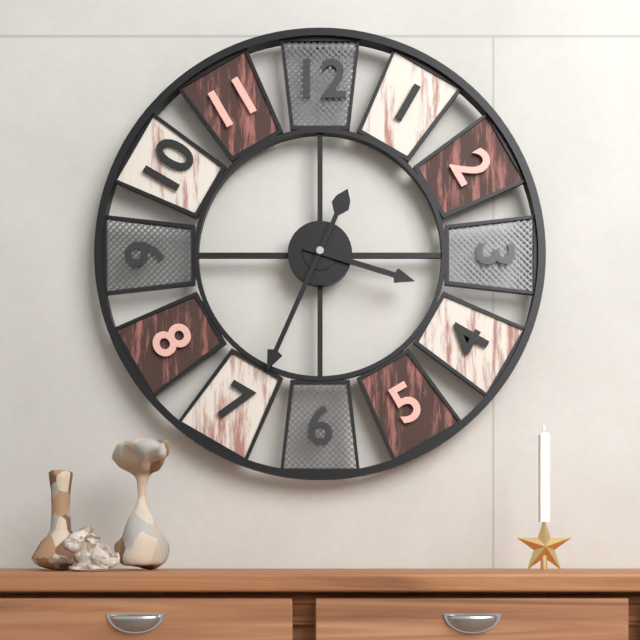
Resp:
3:34
